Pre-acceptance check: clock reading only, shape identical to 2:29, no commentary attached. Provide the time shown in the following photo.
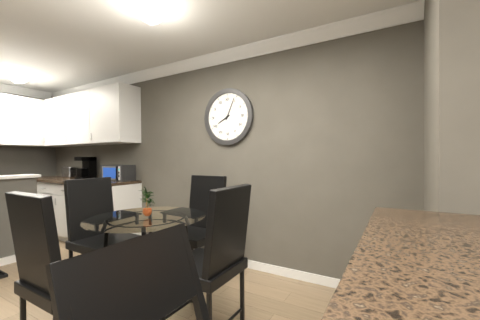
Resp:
8:04
